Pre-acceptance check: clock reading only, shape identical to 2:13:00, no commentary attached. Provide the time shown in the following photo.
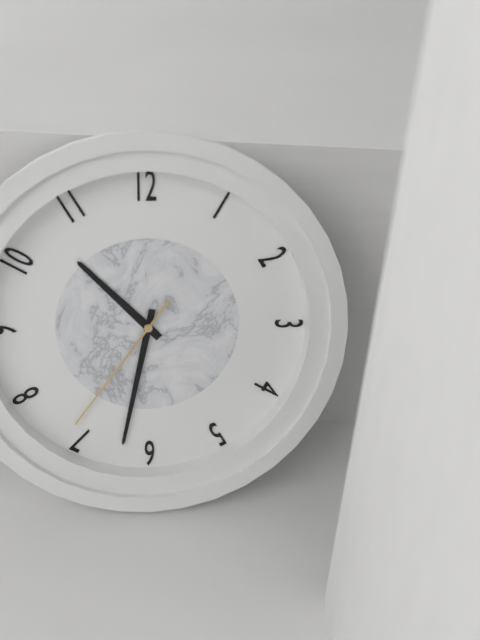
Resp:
10:32:36
